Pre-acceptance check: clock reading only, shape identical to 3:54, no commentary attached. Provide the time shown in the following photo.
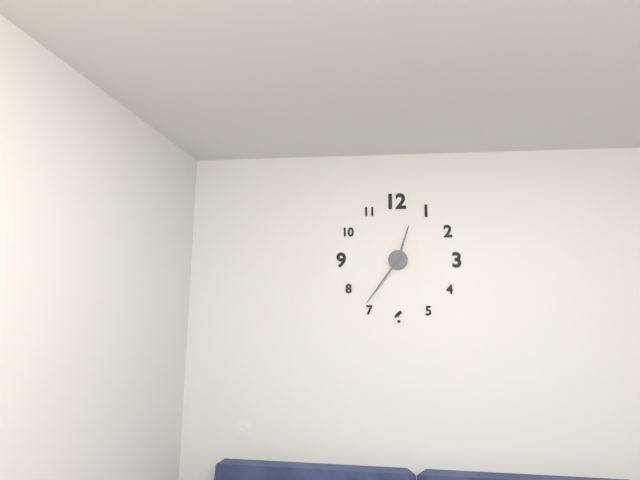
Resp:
12:36
